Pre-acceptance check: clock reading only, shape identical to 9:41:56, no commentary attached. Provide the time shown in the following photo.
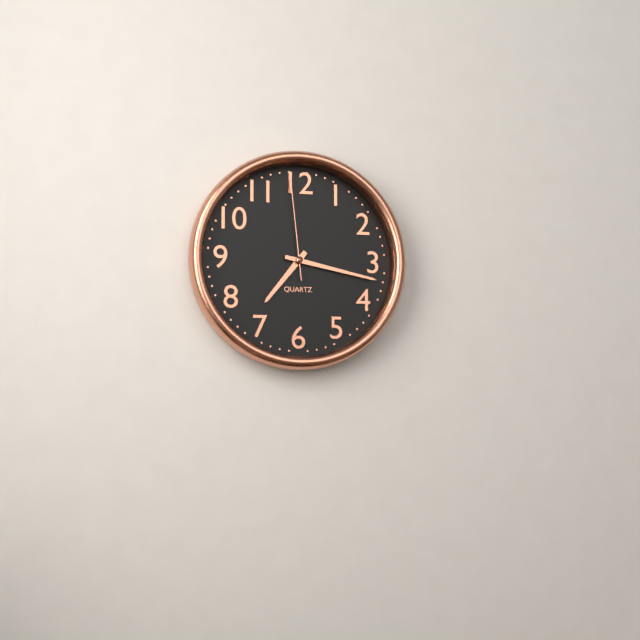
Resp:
7:17:59
